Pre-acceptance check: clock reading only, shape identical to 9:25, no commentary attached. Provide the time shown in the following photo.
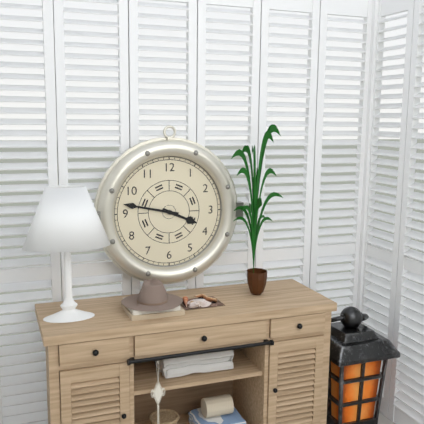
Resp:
3:47
